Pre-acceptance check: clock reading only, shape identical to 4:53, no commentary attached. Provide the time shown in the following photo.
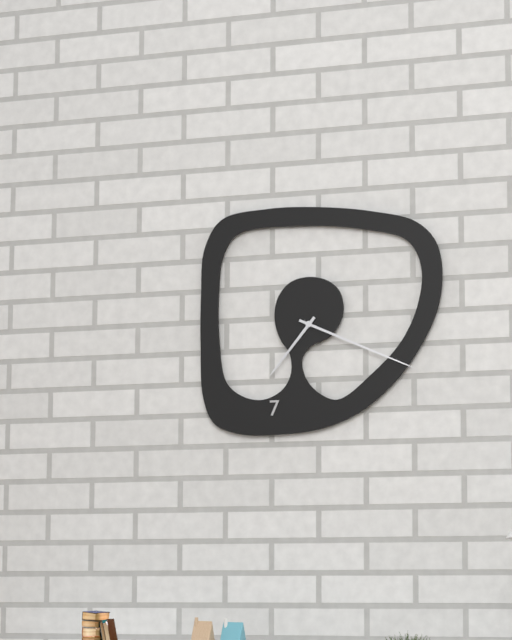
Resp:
7:19
